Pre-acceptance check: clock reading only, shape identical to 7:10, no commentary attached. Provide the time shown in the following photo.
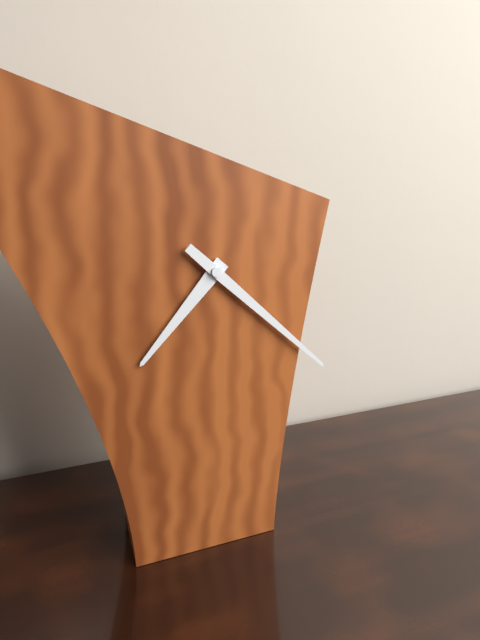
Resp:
7:22
